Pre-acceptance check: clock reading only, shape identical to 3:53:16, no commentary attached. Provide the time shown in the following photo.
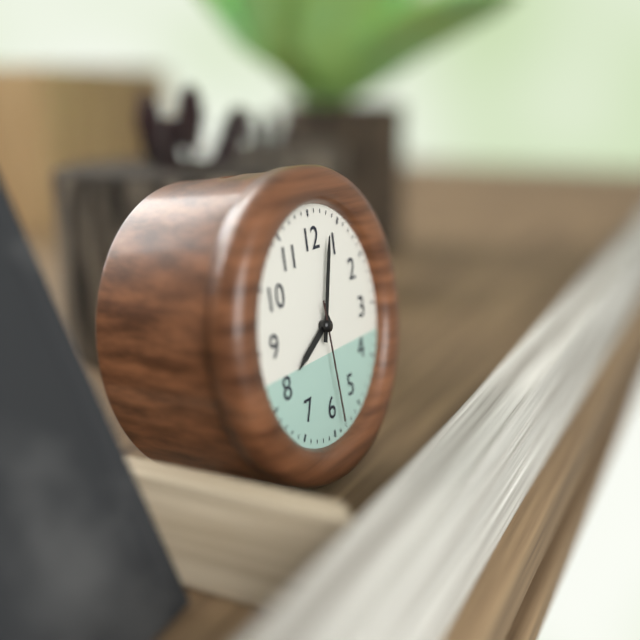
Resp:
8:03:29
